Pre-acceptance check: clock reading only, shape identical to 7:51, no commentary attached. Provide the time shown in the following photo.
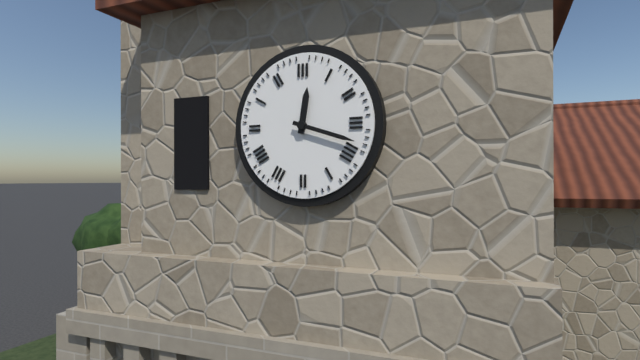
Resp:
12:18
